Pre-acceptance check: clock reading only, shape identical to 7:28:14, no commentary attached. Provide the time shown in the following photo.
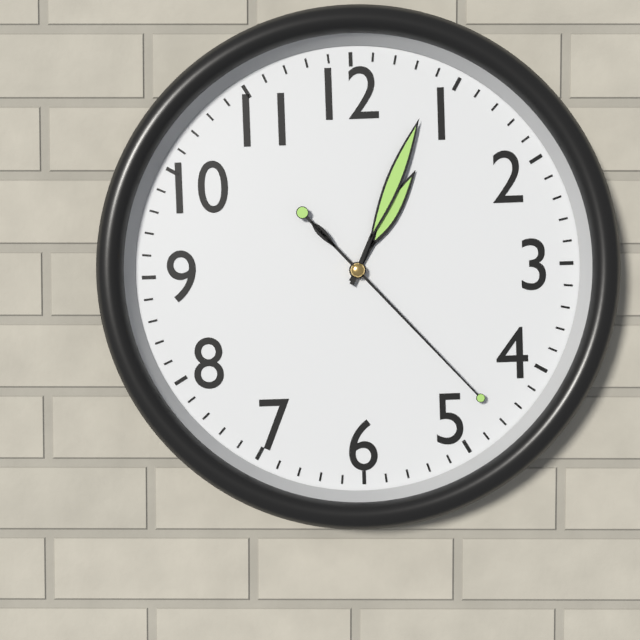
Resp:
1:04:23
